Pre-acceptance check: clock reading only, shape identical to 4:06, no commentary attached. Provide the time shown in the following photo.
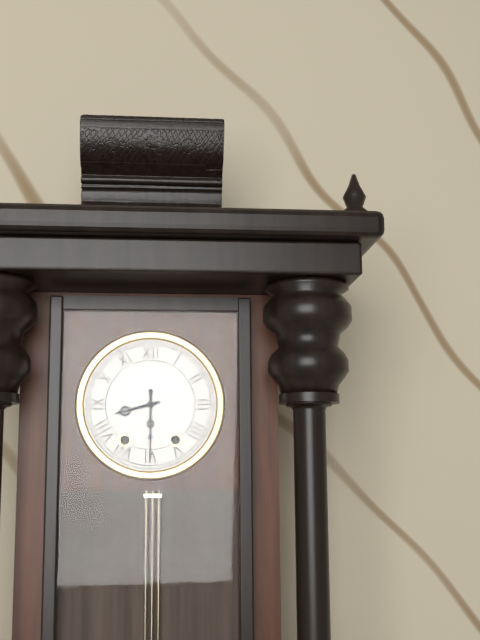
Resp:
8:30
